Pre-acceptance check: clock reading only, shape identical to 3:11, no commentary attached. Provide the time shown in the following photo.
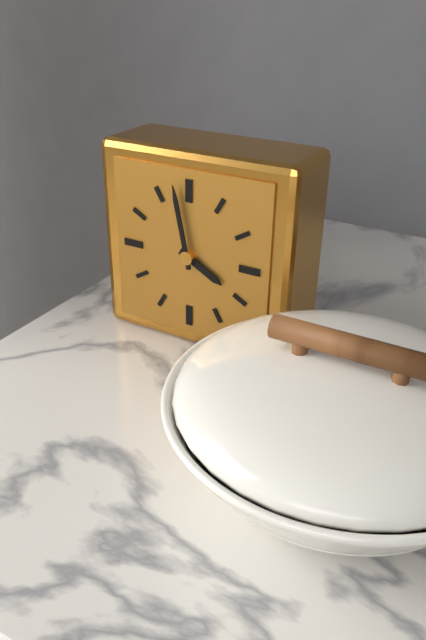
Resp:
3:58
